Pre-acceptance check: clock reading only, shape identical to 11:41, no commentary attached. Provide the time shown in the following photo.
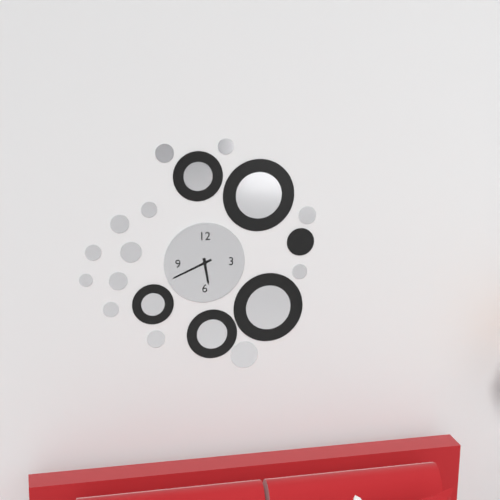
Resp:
5:41
